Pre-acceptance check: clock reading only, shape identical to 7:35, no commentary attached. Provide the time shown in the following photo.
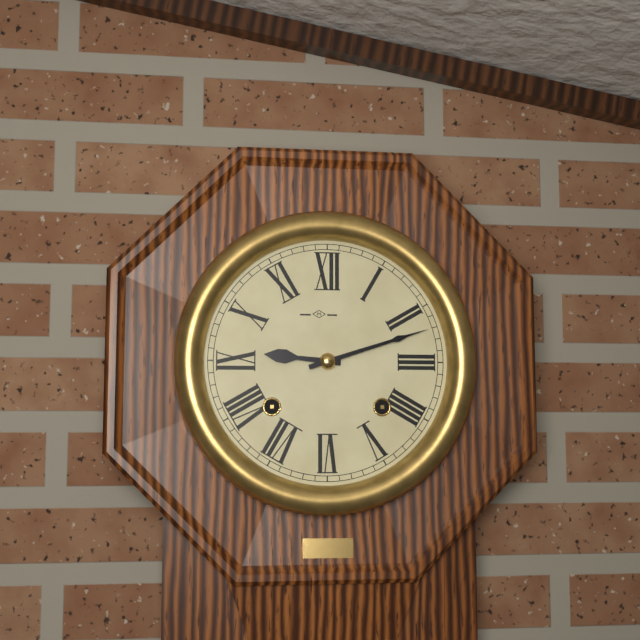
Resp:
9:12
